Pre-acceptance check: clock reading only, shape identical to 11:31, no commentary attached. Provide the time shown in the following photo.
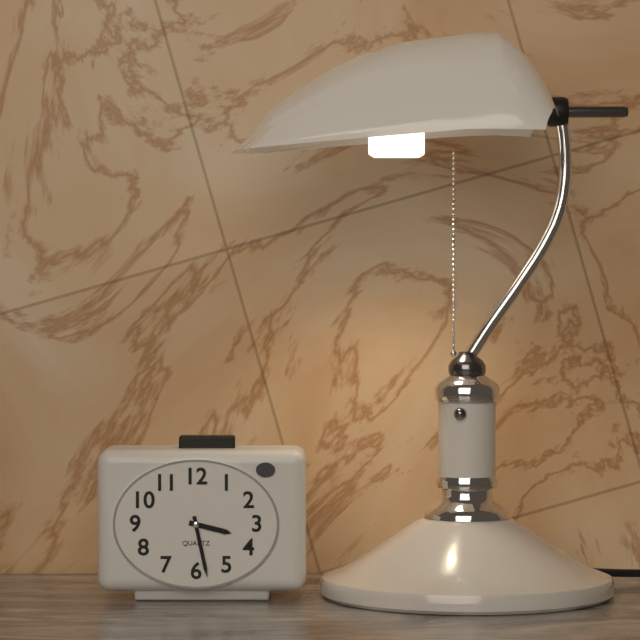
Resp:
3:28
